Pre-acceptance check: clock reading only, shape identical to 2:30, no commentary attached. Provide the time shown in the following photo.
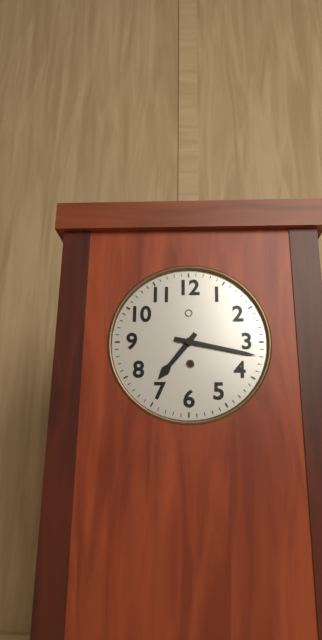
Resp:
7:17
